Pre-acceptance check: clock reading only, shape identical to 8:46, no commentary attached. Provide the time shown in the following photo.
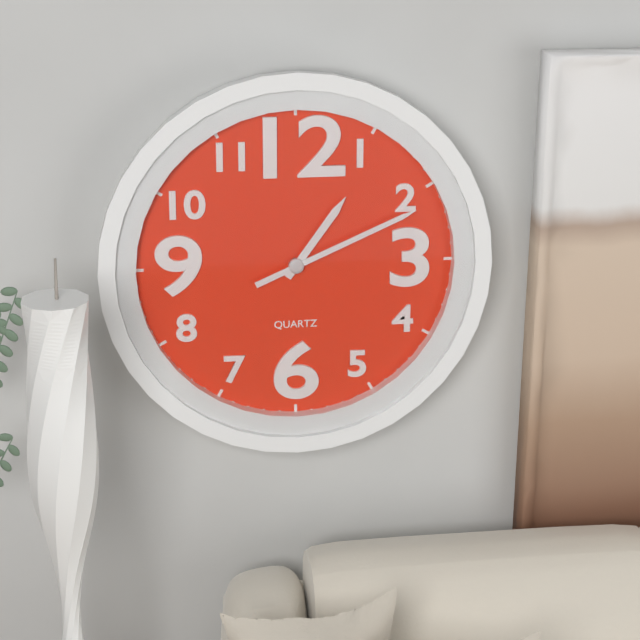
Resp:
1:11
